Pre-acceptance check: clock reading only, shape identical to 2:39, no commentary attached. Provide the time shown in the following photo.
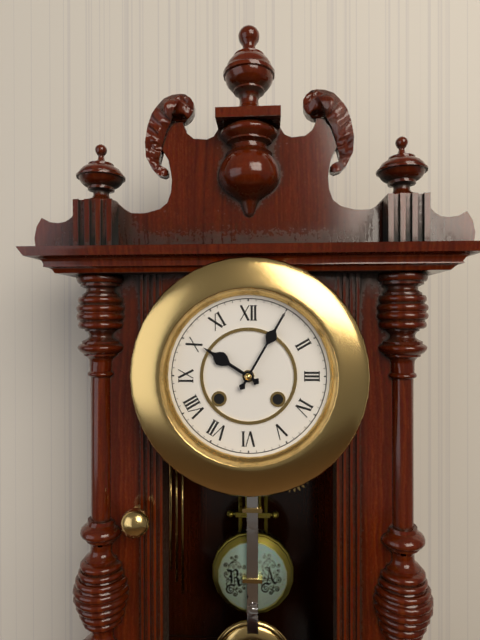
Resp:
10:05
